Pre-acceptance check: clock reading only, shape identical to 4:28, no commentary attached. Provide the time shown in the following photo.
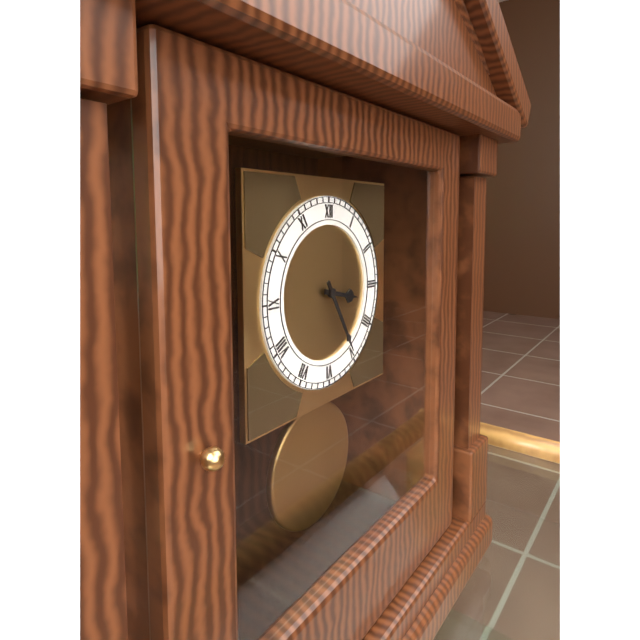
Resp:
3:25
